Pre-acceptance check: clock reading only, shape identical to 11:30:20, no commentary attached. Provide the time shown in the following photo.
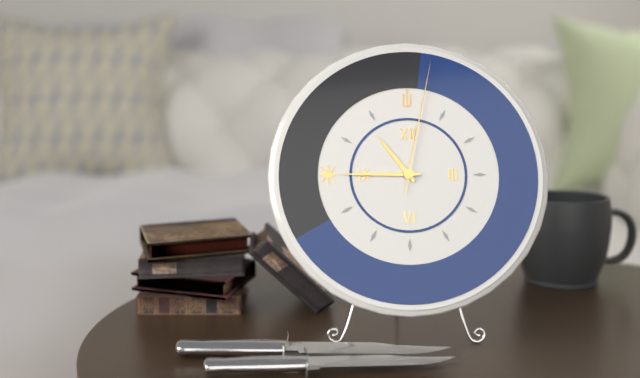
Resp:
10:45:02
